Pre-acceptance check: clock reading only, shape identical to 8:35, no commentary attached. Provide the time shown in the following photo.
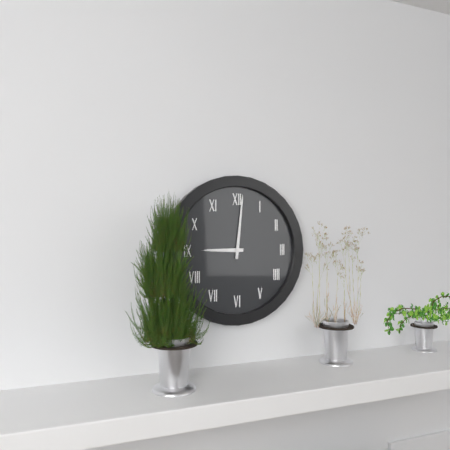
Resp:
9:01
